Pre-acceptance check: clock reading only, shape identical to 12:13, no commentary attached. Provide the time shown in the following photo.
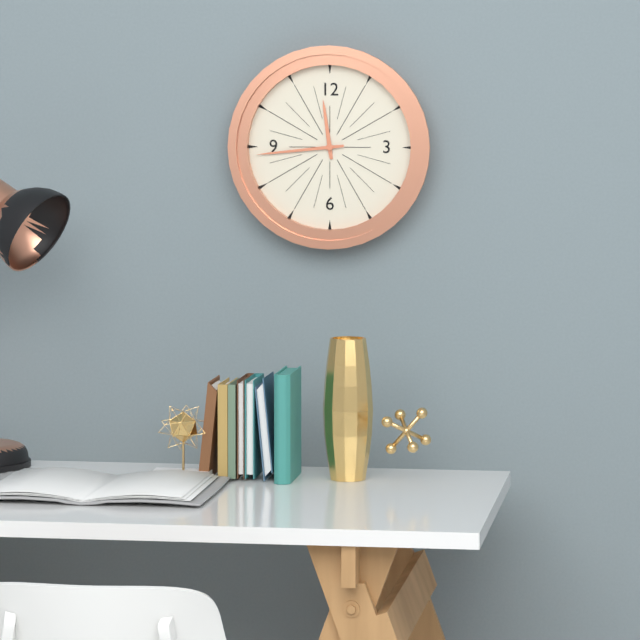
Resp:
11:44
